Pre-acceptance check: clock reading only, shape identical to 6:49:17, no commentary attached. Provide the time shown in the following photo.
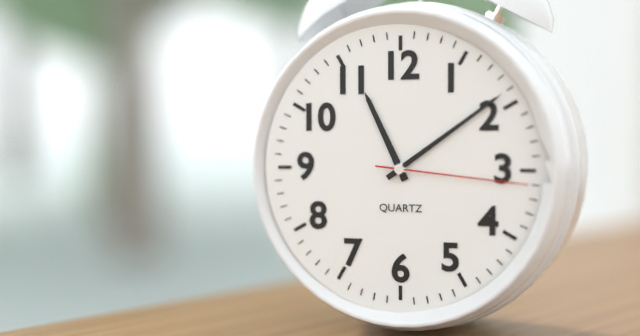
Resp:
11:09:16
